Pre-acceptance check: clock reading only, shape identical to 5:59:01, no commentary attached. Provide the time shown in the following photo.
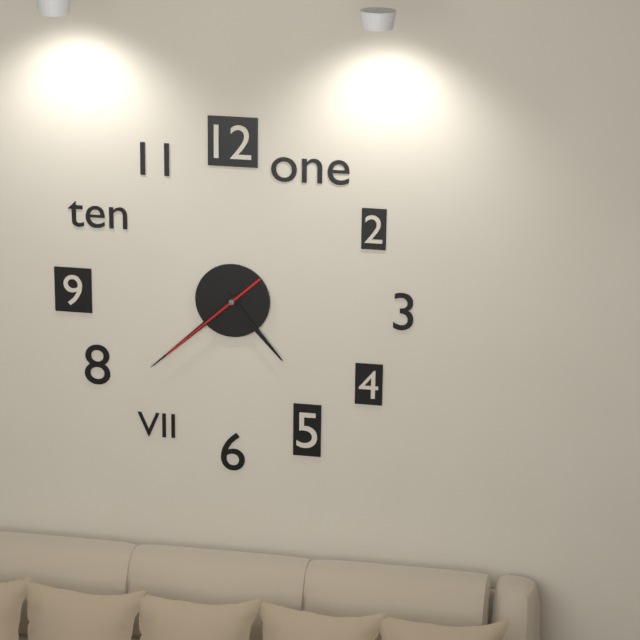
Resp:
4:38:38
